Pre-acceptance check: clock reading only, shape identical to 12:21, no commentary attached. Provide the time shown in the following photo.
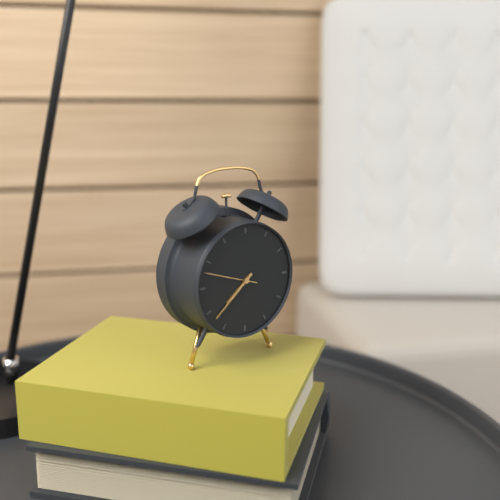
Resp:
7:38
